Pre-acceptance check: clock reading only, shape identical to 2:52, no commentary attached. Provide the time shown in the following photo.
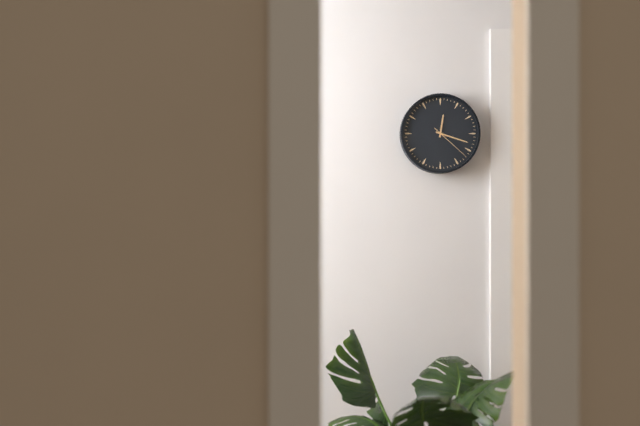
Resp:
12:18
